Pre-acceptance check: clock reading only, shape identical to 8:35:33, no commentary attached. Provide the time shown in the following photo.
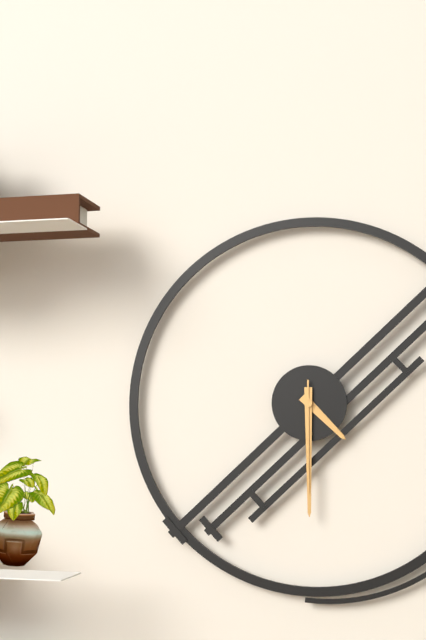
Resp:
4:30:30
